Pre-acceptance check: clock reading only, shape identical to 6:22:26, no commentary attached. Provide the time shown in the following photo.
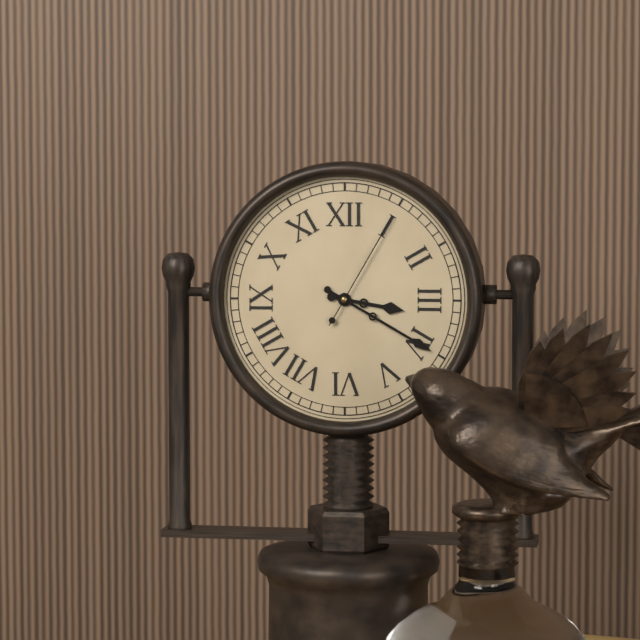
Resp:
3:20:05
